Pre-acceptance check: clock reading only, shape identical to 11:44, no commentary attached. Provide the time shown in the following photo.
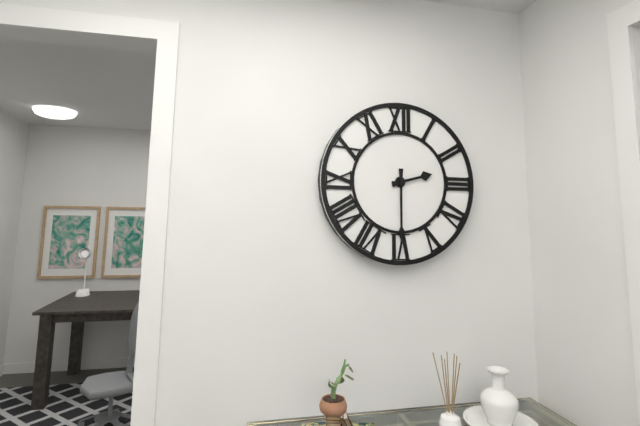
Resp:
2:30
